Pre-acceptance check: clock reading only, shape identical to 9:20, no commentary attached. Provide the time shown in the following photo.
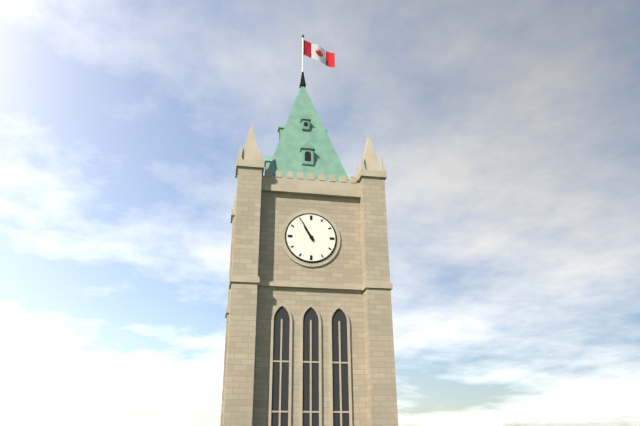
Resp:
10:55
